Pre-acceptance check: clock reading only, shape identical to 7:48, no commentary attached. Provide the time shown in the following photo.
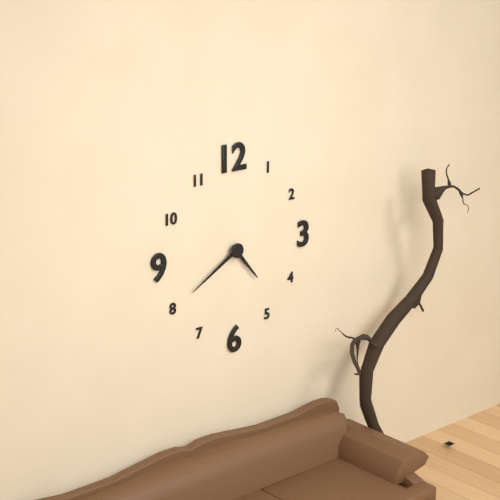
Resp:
4:40
